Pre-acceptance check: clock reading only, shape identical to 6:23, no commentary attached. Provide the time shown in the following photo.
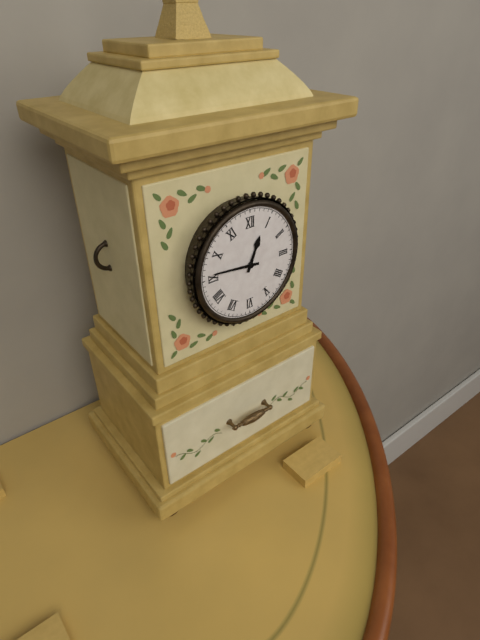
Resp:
12:46
